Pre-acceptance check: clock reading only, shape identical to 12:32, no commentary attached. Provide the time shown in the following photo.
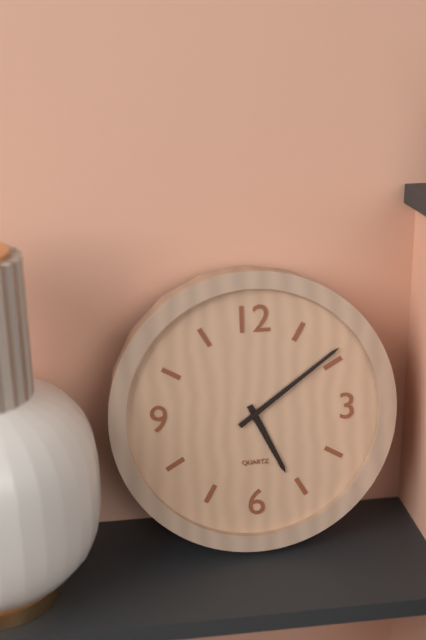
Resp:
5:09
